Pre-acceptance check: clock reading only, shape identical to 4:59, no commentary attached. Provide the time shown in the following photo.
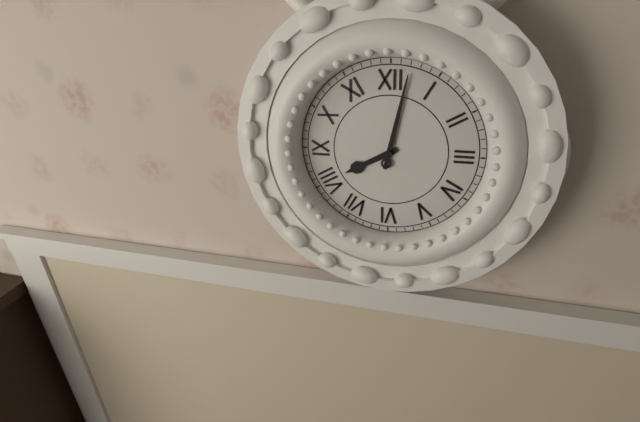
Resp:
8:02
